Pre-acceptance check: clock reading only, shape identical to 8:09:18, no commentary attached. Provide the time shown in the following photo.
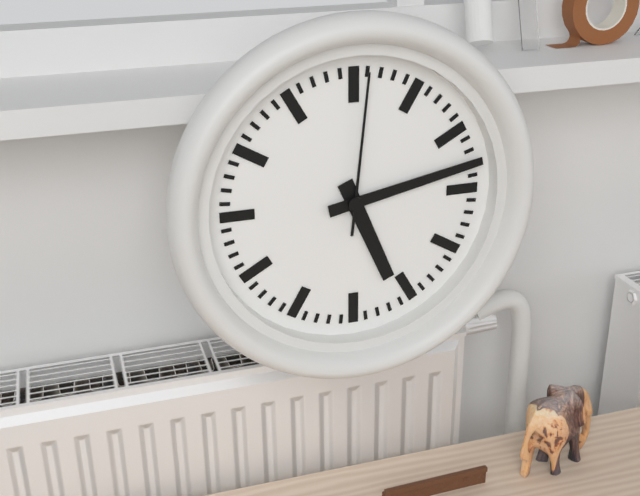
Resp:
5:13:01
